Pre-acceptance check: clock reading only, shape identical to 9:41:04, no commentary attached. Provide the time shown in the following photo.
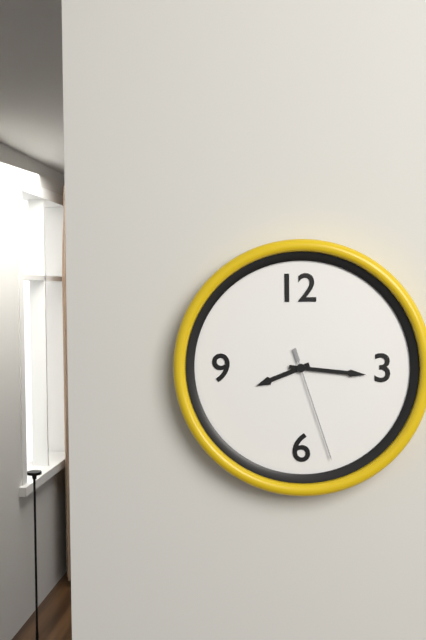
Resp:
8:16:27
